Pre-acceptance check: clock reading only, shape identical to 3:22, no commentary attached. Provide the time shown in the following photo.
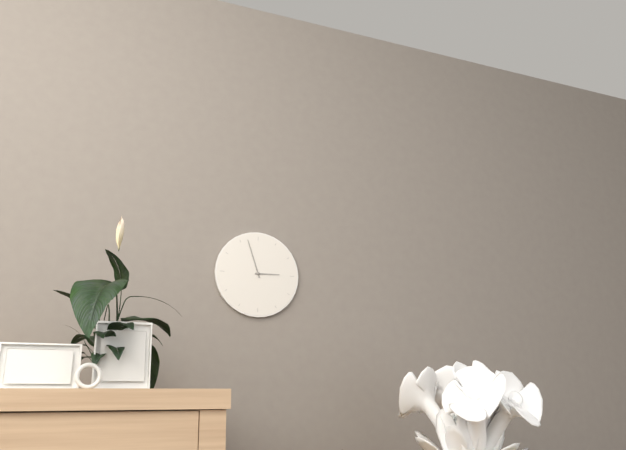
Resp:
2:57
